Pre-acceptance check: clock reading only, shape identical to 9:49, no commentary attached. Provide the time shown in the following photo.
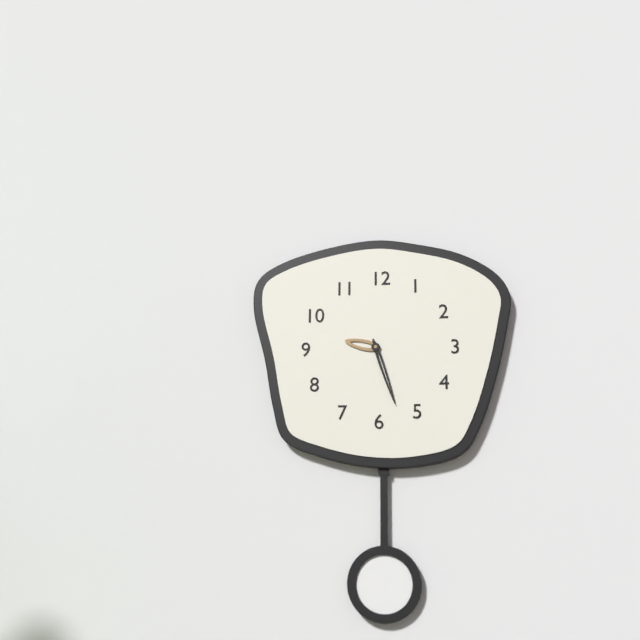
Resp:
9:27
